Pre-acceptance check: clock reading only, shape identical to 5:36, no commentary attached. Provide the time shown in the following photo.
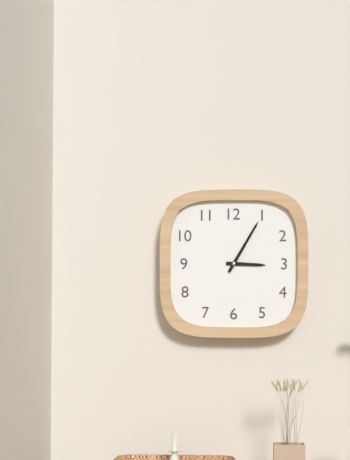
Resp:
3:05
